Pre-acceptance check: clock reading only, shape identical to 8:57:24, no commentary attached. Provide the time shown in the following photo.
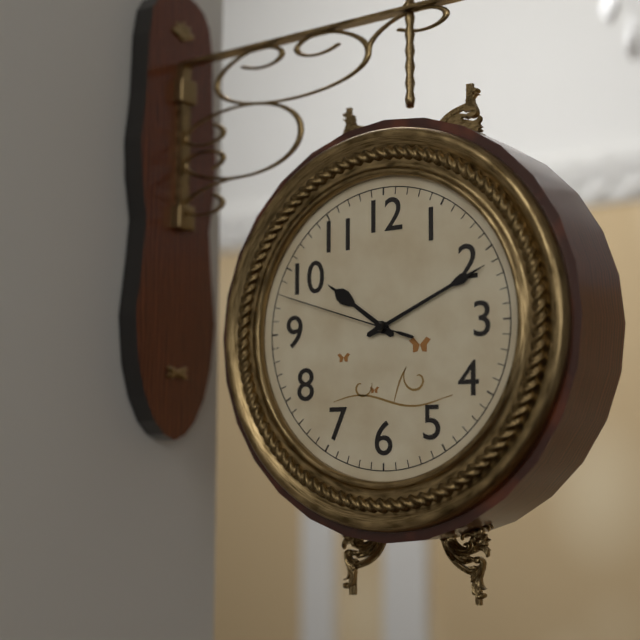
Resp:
10:11:48
